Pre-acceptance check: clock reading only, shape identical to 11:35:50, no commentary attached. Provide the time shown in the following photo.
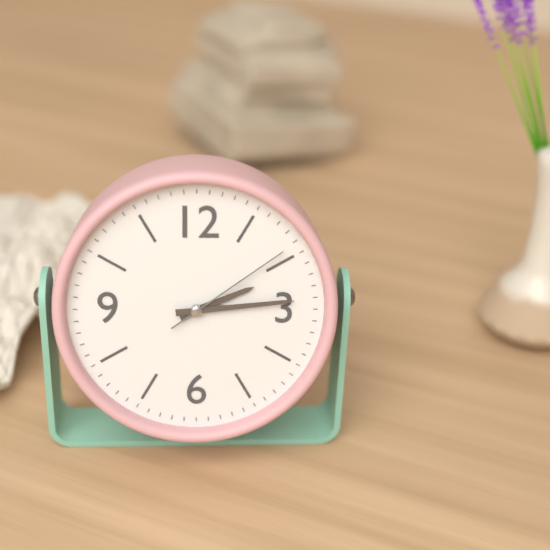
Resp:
2:14:09
